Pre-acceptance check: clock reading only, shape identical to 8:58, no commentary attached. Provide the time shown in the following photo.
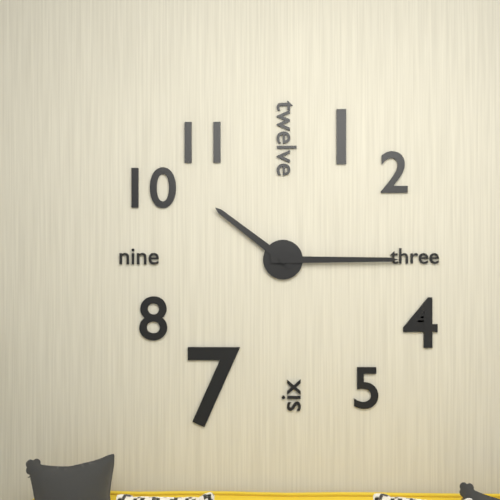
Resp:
10:15
